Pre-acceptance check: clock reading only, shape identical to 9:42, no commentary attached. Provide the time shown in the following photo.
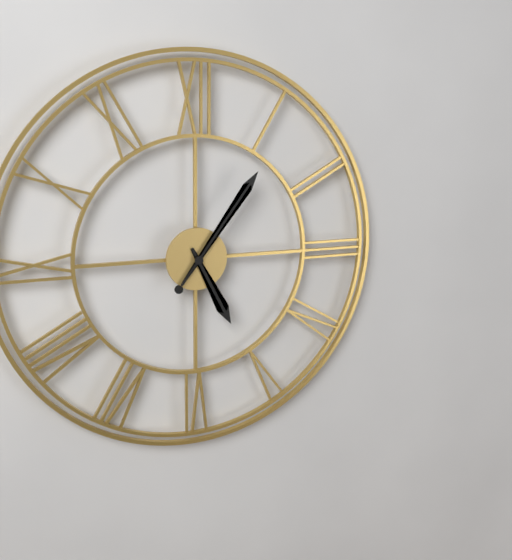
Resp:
5:06
